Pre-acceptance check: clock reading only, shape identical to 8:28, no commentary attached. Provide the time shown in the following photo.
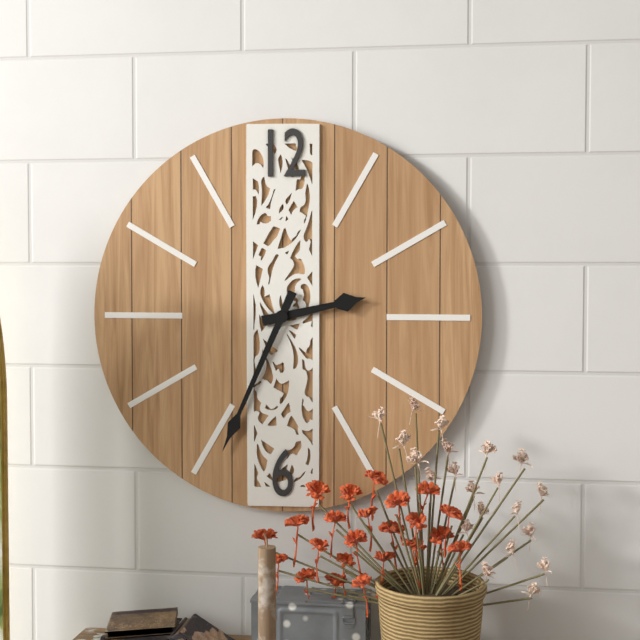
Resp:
2:34
